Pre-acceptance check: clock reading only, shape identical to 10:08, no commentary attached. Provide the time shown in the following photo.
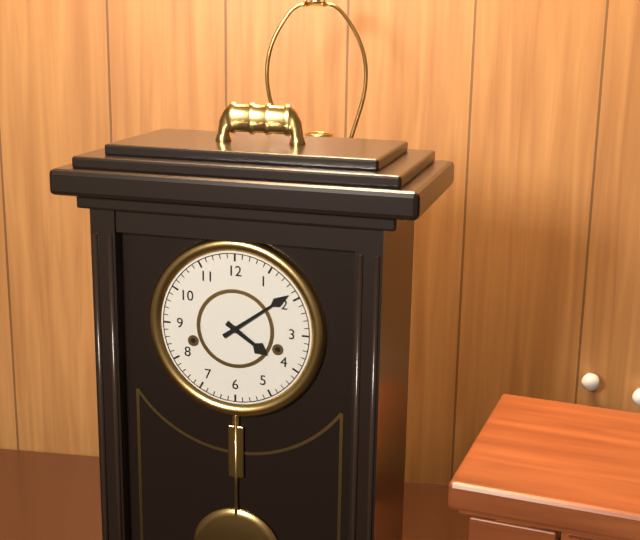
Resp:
4:09
